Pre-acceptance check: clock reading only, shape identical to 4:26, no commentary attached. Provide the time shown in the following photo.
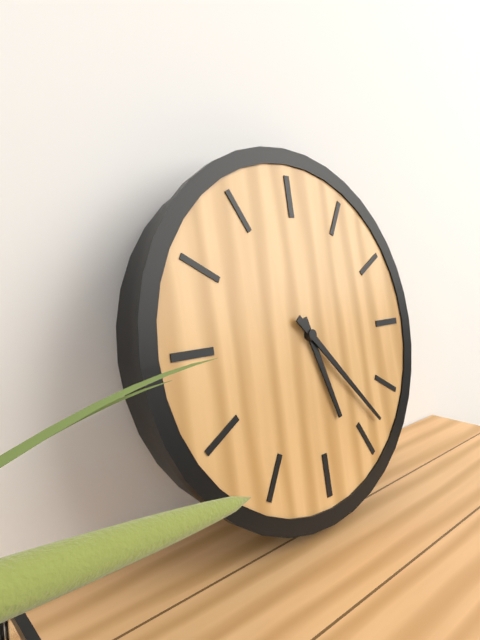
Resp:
5:23
